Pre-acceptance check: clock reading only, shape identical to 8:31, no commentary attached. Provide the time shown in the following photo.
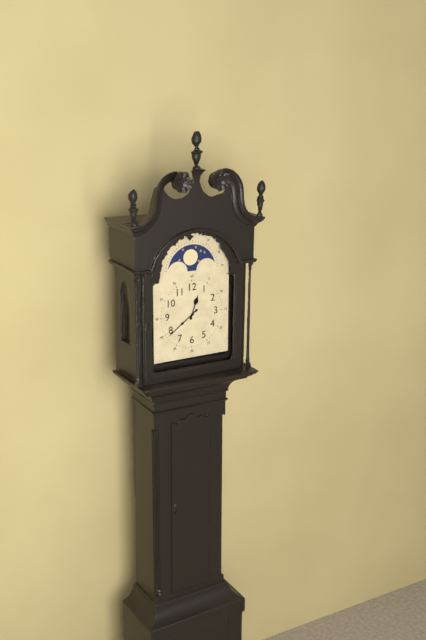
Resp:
12:39
